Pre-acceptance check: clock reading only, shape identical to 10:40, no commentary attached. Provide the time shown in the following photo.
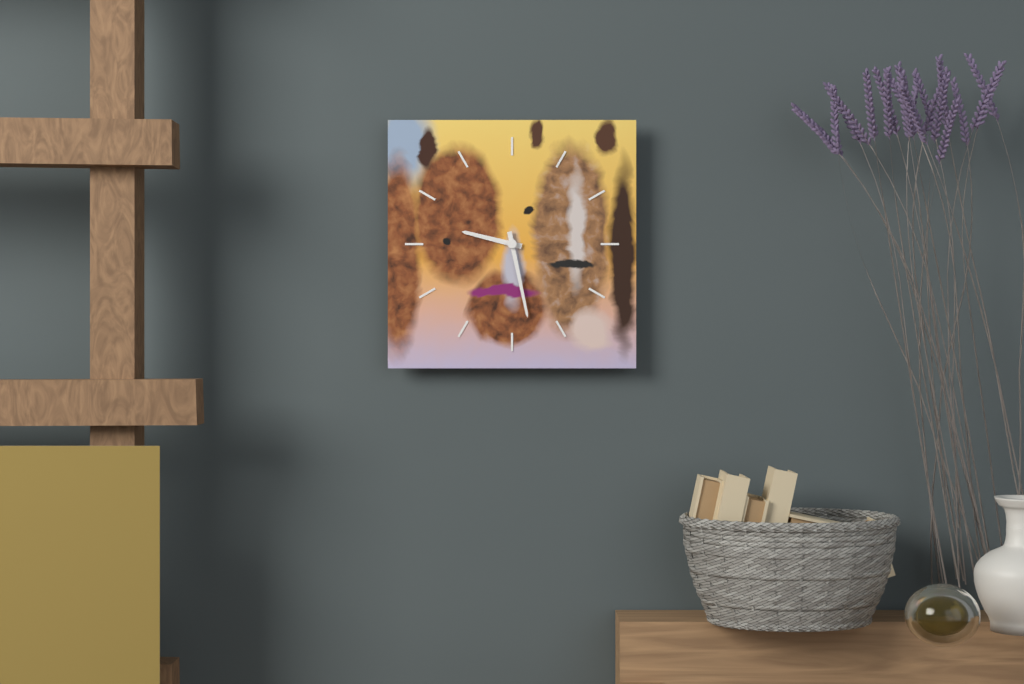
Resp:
9:28
